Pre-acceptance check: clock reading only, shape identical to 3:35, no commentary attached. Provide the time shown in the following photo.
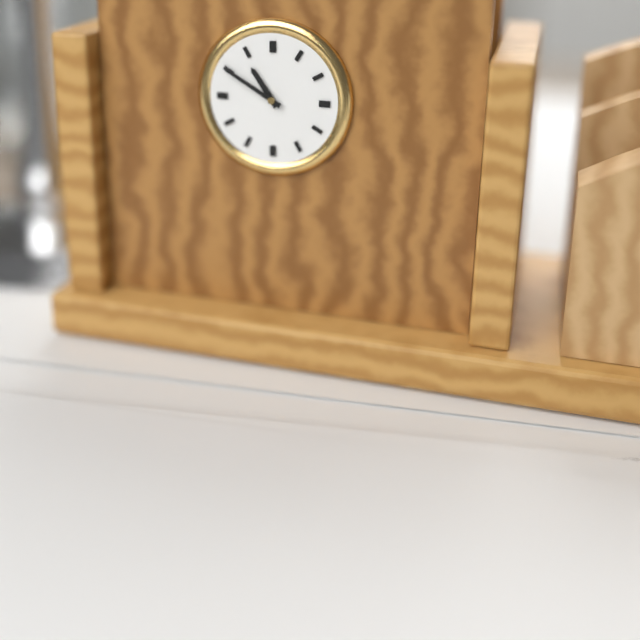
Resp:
10:50
